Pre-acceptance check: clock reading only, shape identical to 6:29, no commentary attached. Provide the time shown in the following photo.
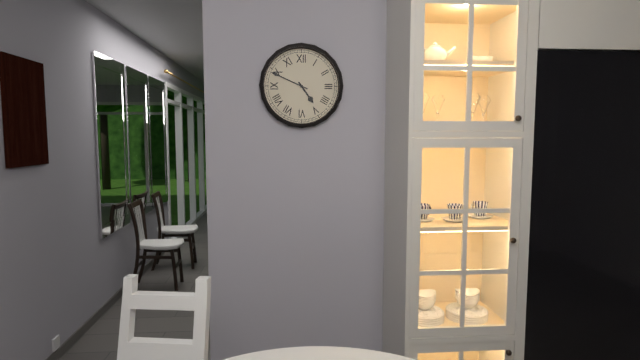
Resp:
4:49
